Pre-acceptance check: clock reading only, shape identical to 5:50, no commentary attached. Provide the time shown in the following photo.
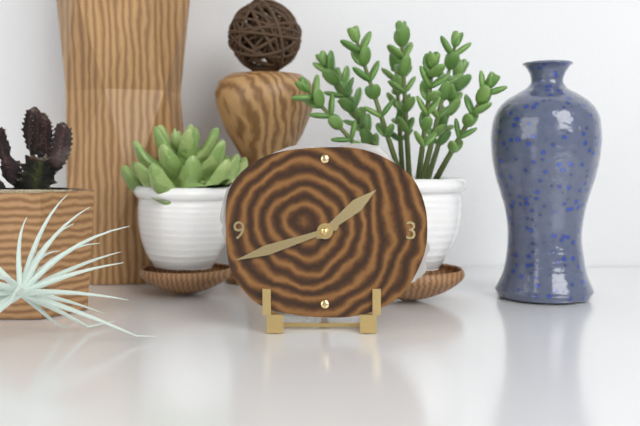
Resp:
1:42
